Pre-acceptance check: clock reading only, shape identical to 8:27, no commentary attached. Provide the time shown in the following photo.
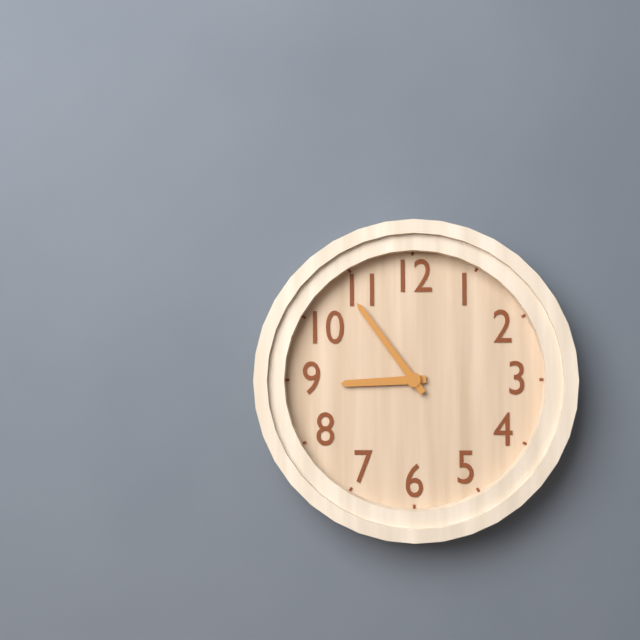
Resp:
8:54
